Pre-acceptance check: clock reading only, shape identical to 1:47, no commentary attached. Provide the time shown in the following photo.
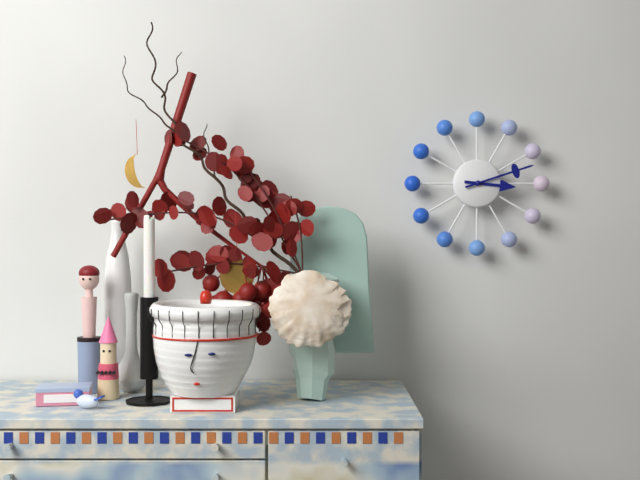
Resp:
3:12
